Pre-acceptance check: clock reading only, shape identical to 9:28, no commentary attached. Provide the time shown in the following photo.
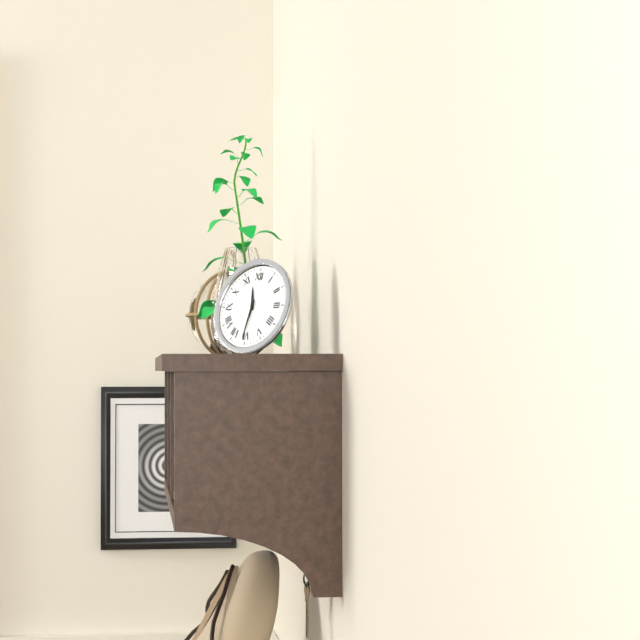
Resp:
11:31
